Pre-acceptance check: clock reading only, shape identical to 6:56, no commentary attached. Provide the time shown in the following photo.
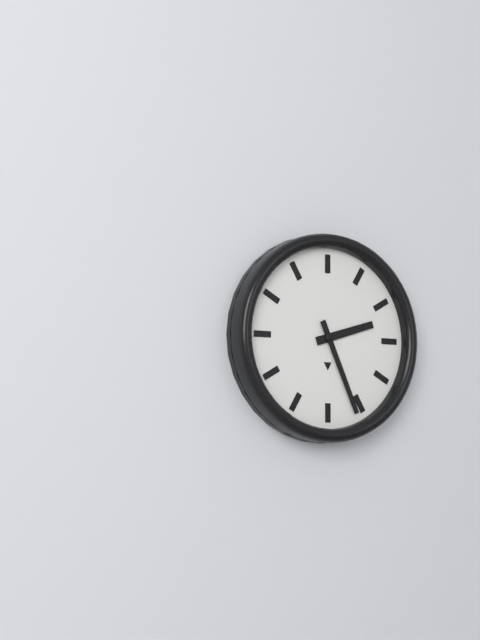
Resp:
2:26
